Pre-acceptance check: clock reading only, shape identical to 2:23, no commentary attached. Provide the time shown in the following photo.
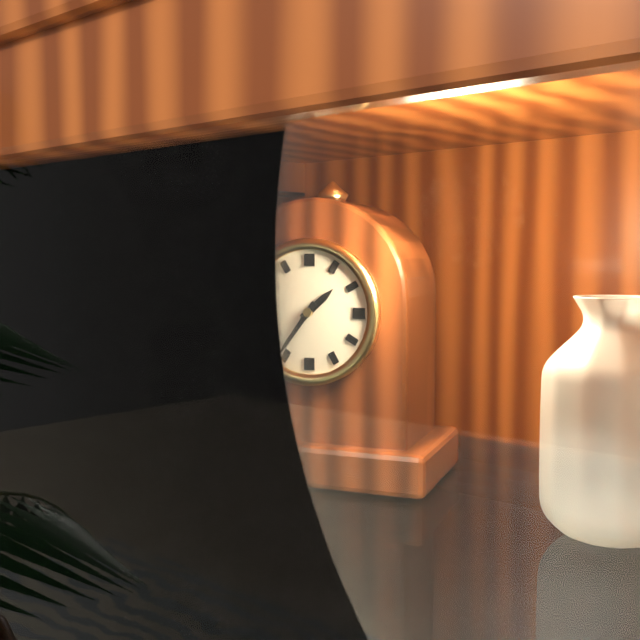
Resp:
1:36
